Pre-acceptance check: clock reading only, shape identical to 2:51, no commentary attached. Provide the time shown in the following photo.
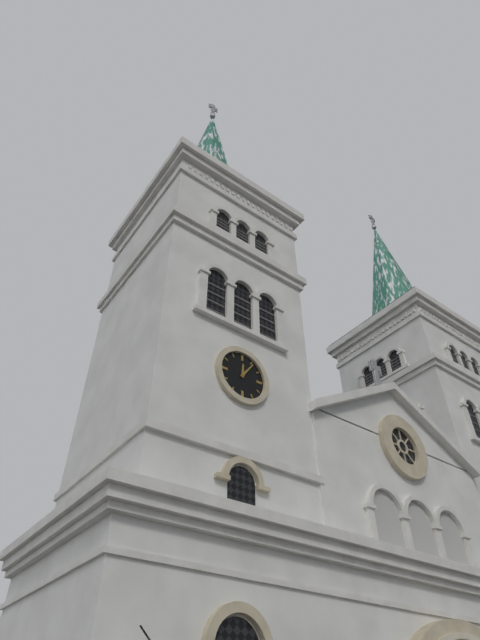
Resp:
12:06
